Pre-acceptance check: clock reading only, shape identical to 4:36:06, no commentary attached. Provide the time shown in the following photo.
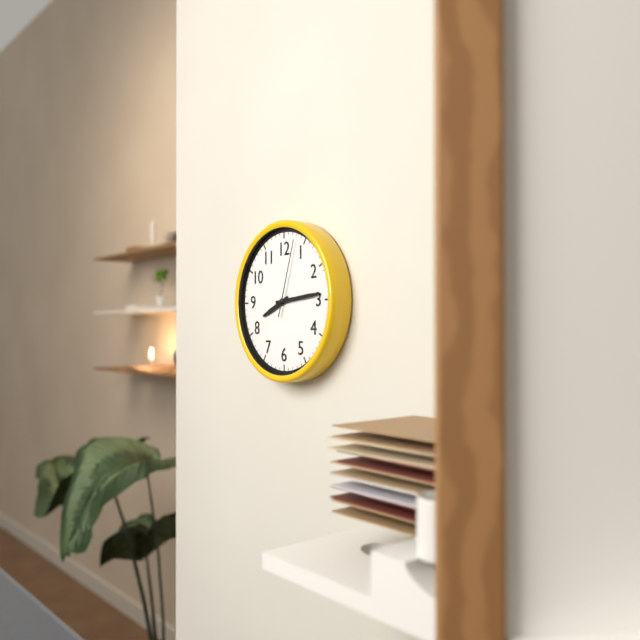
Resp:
8:14:03
